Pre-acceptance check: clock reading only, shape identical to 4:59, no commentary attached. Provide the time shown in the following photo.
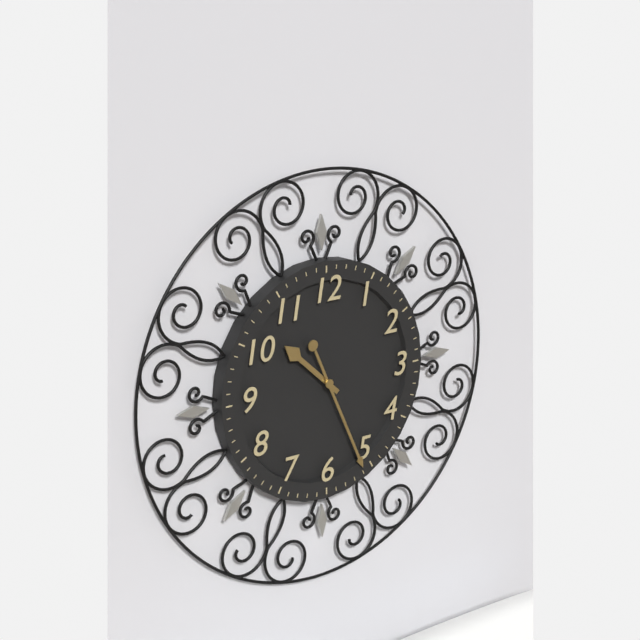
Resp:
10:26
